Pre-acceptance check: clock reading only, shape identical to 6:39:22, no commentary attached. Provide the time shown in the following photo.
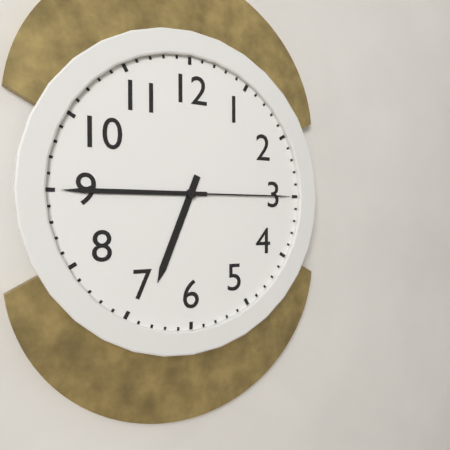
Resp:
6:45:15
